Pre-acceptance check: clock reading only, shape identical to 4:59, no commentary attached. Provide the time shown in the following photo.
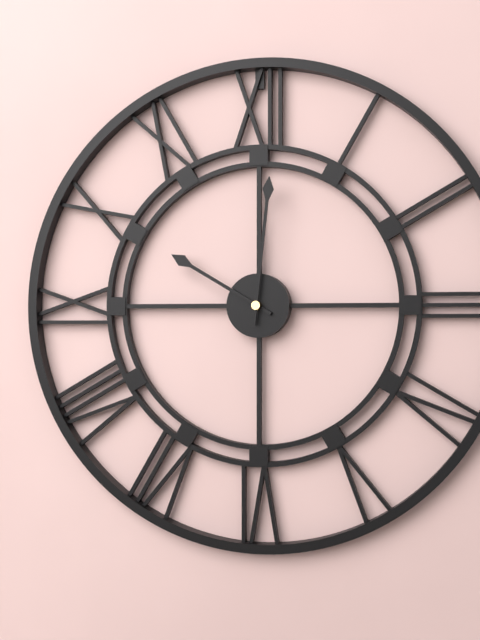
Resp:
10:01
